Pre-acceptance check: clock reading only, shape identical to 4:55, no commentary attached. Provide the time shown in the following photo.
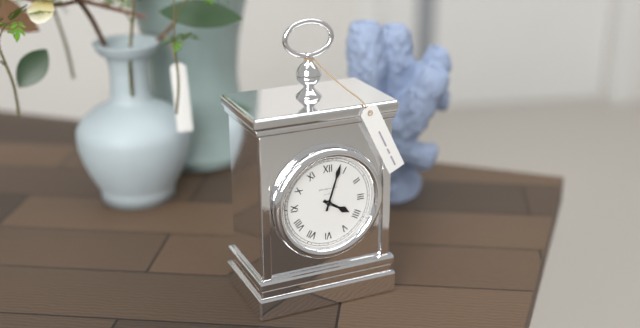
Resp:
4:03
